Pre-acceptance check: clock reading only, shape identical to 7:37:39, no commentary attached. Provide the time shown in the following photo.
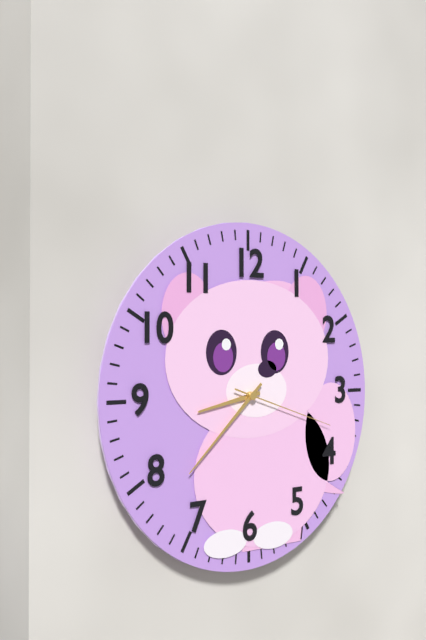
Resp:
8:38:18
